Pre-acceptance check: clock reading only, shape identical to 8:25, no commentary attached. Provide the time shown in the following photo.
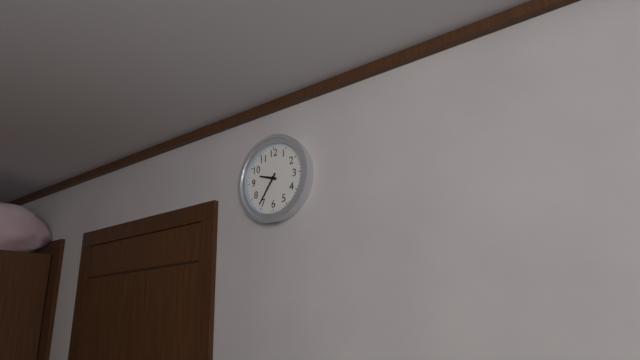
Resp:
9:36
